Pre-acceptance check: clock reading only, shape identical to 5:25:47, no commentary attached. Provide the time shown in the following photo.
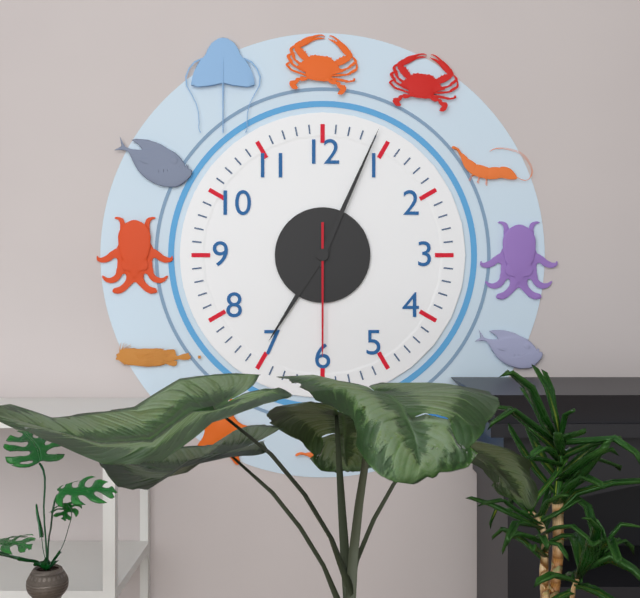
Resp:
7:04:30
